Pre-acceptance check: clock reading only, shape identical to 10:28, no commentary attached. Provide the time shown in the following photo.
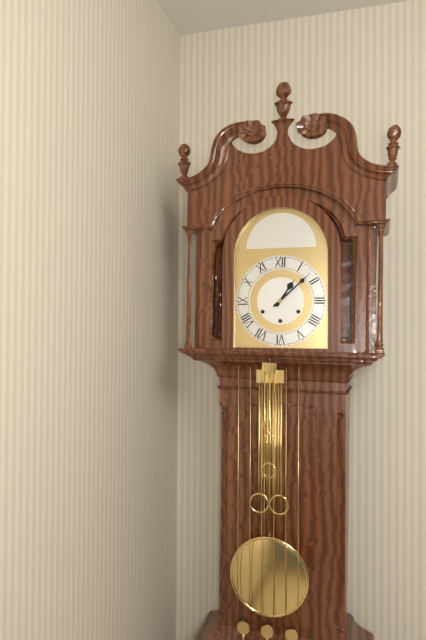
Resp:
1:08
